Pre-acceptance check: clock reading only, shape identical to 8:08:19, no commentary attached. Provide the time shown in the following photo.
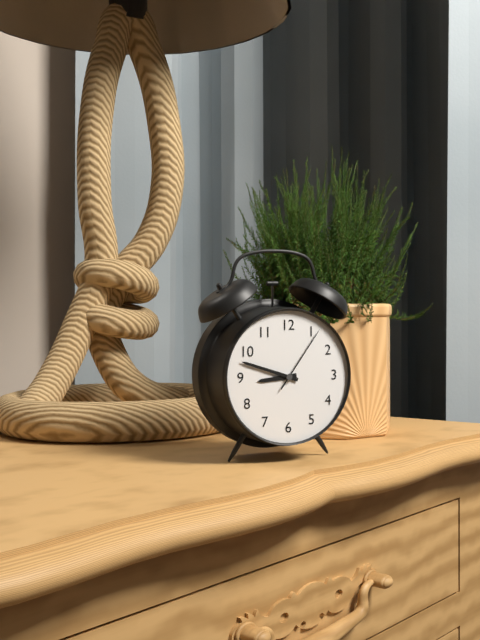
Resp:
8:48:06
